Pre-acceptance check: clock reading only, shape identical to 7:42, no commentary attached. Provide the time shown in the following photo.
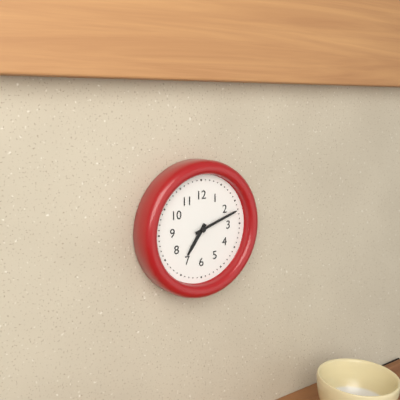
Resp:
7:12
